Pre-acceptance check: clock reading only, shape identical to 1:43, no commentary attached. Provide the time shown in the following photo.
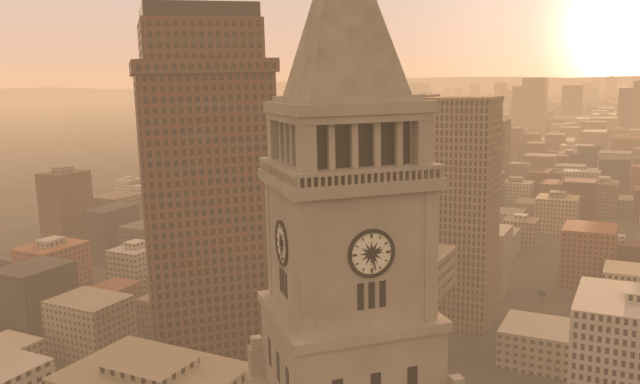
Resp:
2:28
